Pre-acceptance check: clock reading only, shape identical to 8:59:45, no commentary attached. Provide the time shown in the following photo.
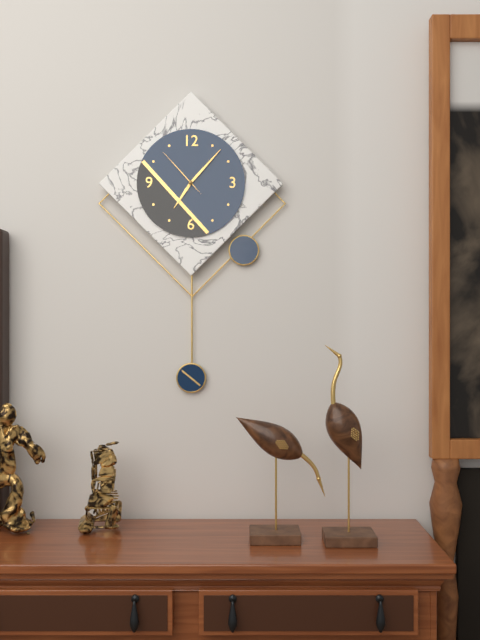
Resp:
7:07:53
